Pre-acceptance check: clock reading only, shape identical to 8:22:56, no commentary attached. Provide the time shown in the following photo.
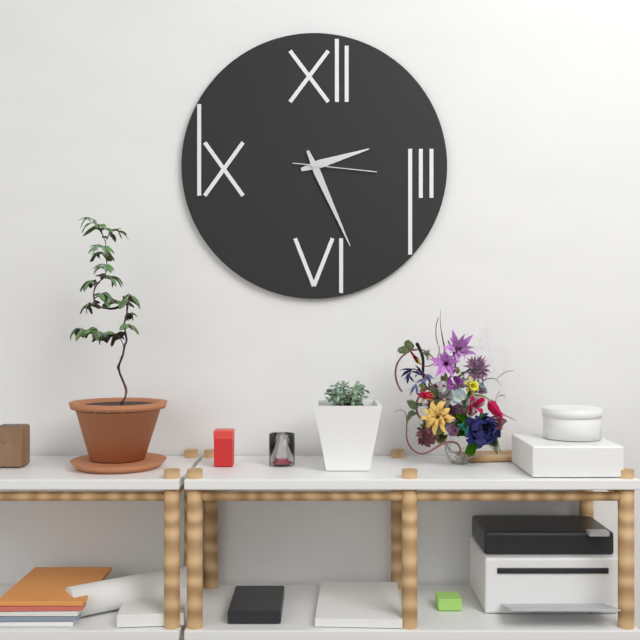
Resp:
2:26:16
